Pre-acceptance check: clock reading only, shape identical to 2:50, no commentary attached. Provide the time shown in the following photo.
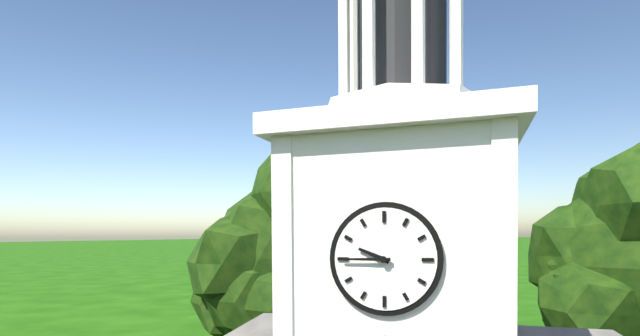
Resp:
9:45
